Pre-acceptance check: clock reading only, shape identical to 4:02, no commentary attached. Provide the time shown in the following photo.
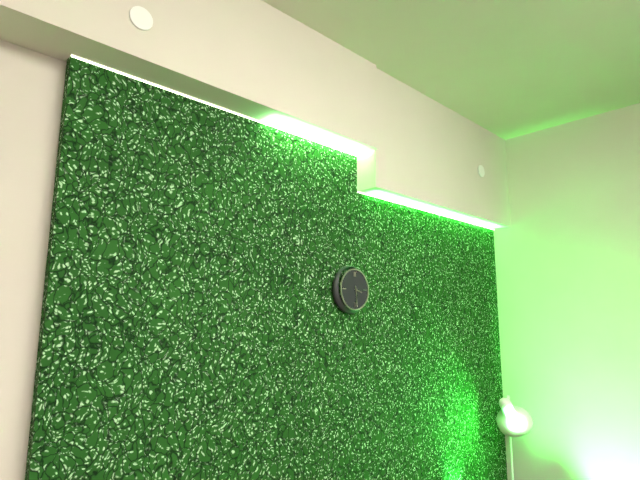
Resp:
3:29
